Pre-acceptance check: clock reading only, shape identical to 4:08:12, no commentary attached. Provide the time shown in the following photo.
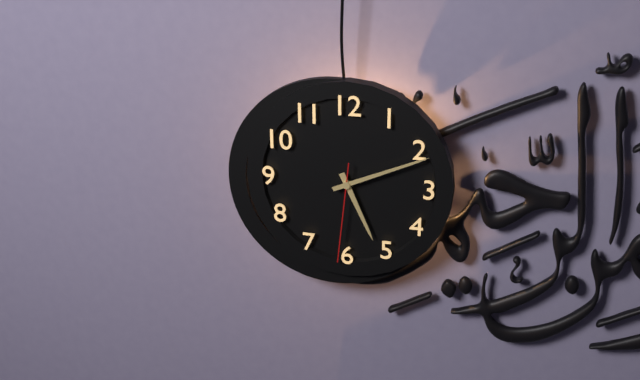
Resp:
5:11:31
